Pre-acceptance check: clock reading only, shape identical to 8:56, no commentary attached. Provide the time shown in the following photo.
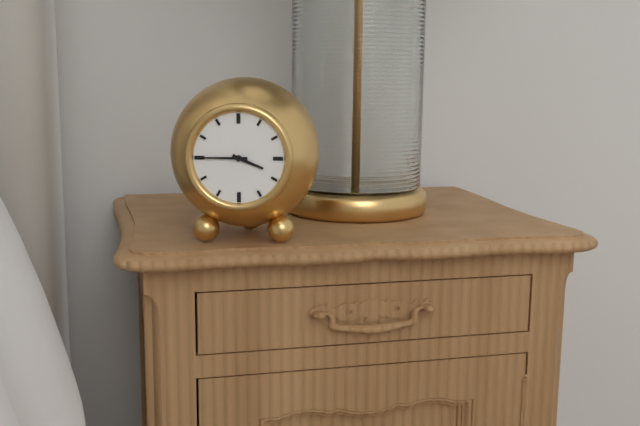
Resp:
3:45
